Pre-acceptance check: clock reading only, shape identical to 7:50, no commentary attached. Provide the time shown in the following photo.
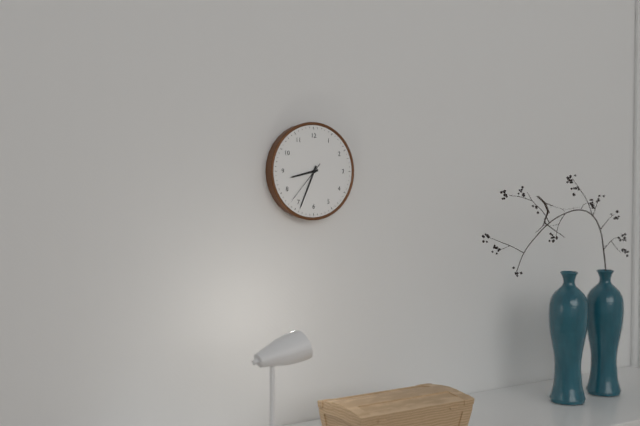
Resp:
8:34
